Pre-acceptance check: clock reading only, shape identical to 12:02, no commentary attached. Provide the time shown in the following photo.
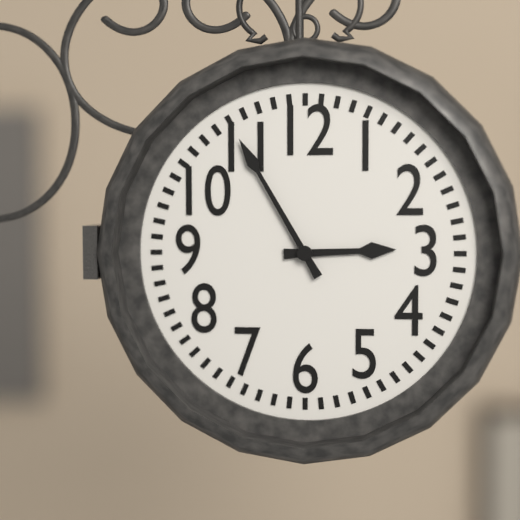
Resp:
2:55
